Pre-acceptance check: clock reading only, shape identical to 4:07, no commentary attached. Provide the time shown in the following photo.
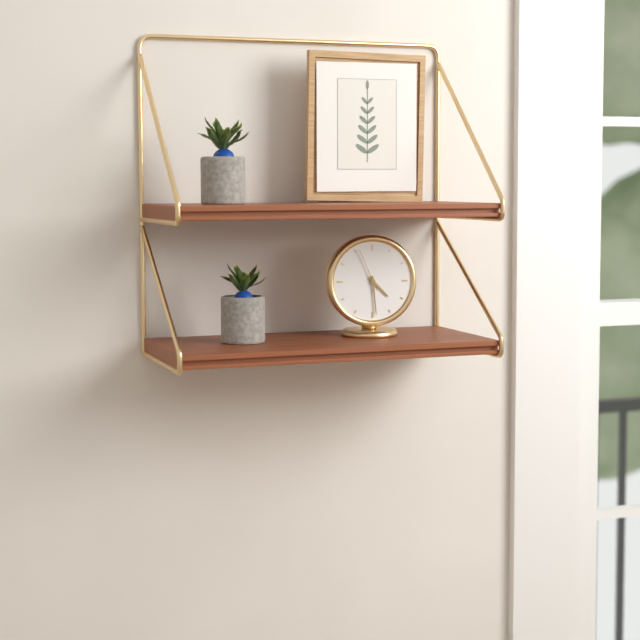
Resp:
4:29
